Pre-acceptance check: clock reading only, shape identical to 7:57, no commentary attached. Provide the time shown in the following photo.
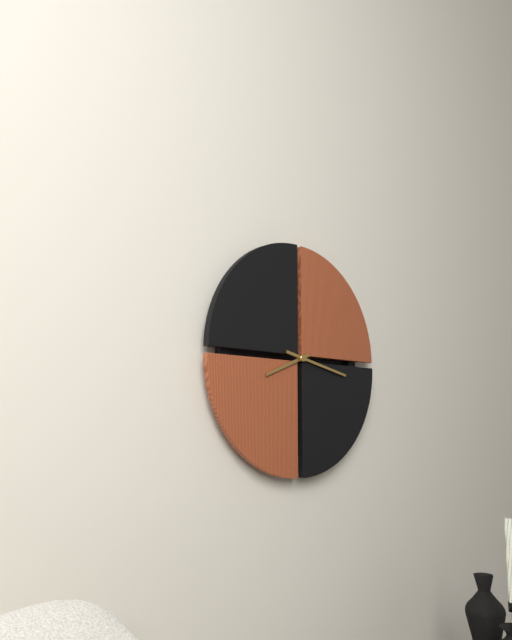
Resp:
8:17
